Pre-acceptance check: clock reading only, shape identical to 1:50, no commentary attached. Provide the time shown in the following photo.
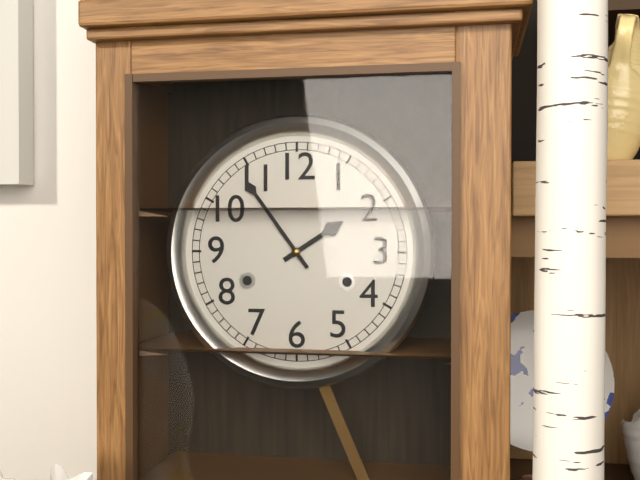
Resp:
1:54
